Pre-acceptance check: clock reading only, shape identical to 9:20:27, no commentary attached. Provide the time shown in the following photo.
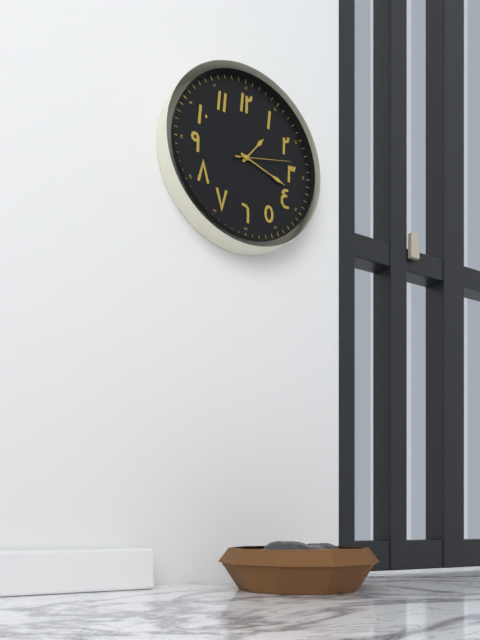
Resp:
1:18:13
